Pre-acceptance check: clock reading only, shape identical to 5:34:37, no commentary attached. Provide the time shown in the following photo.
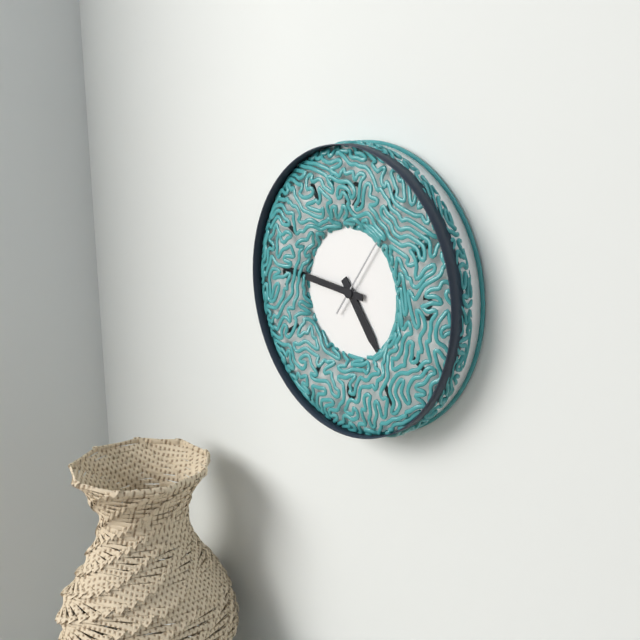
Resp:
4:46:06
